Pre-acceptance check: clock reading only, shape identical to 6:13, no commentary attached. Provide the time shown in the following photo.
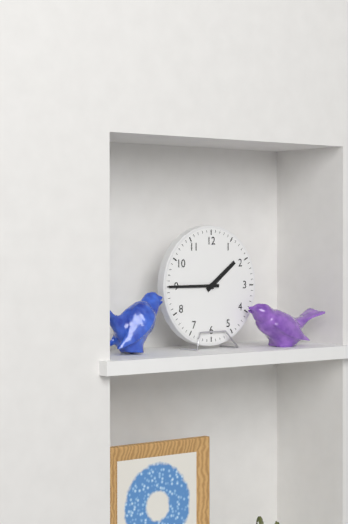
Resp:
1:45
